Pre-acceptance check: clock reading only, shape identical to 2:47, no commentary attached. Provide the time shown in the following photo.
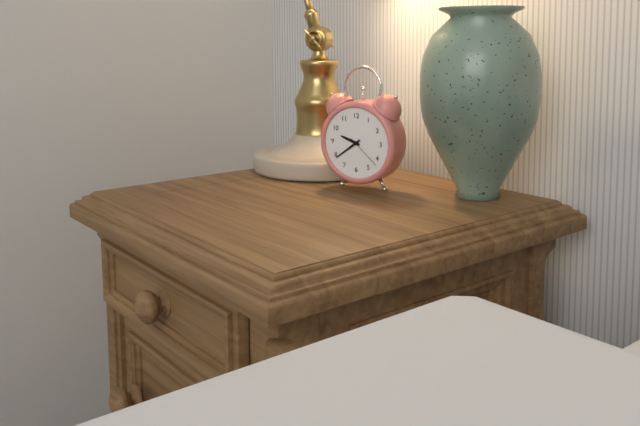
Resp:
9:39
